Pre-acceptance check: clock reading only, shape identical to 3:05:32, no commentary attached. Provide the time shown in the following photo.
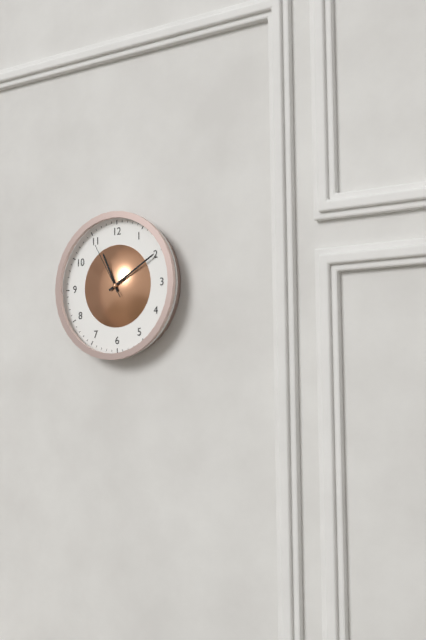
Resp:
11:10:55
